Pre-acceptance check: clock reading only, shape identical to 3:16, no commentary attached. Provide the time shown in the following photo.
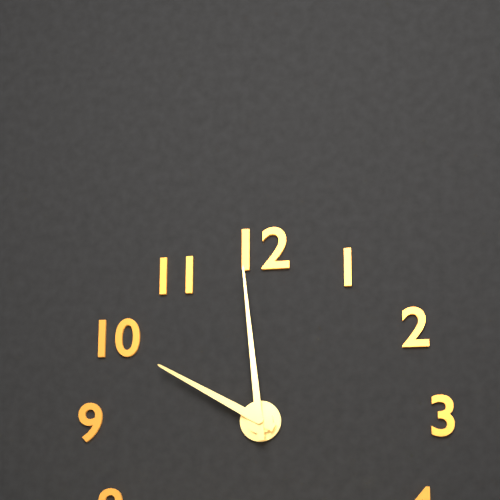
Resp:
9:59
